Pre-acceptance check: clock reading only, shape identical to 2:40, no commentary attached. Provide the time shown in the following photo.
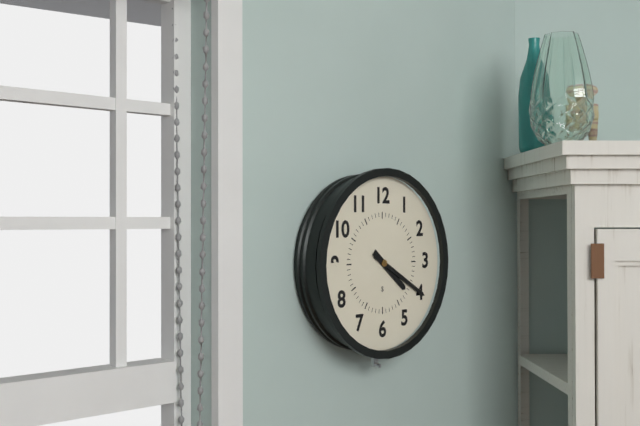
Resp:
4:20
